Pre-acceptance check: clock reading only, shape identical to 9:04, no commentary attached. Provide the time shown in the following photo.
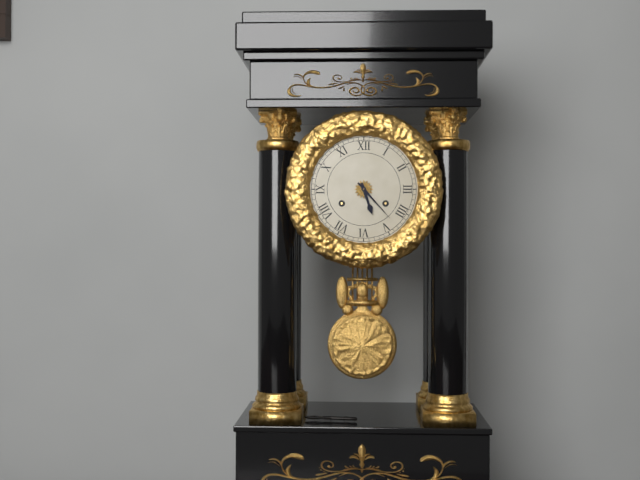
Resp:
5:23
